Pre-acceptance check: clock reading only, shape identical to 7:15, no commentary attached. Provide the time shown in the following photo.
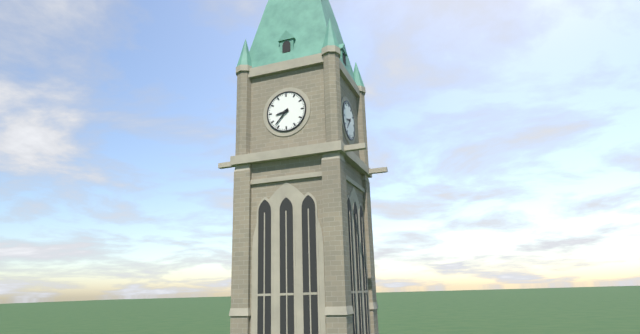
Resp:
8:37
